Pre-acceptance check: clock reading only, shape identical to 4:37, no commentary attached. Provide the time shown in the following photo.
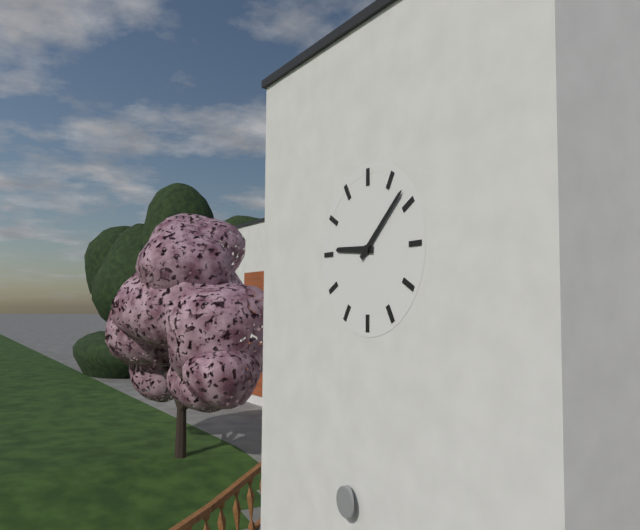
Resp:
9:08
